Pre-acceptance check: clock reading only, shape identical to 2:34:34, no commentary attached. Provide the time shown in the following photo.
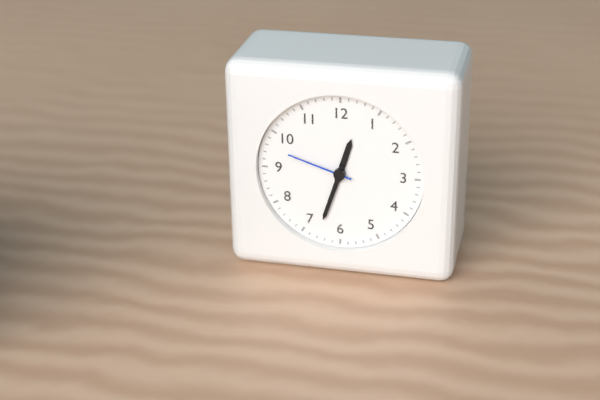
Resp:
12:33:48
